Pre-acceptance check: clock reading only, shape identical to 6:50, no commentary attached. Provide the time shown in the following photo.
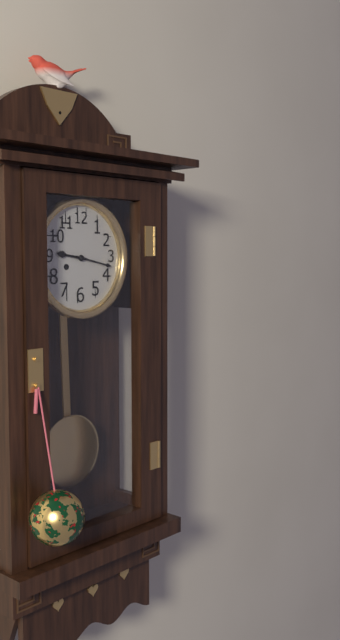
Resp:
9:17
